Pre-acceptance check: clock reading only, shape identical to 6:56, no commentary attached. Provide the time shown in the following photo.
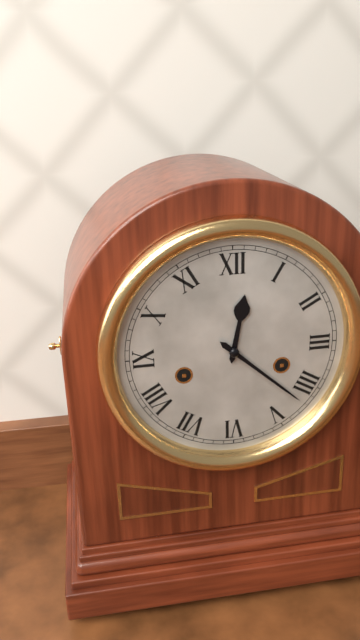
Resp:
12:22
